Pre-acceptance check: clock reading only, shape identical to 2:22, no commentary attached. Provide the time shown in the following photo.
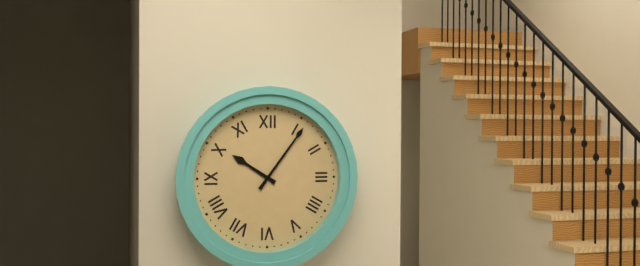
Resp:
10:06
